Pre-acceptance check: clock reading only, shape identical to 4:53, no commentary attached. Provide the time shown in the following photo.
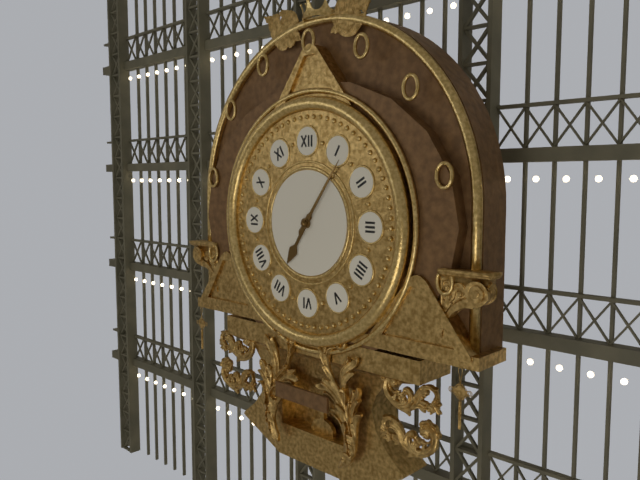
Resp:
7:06
